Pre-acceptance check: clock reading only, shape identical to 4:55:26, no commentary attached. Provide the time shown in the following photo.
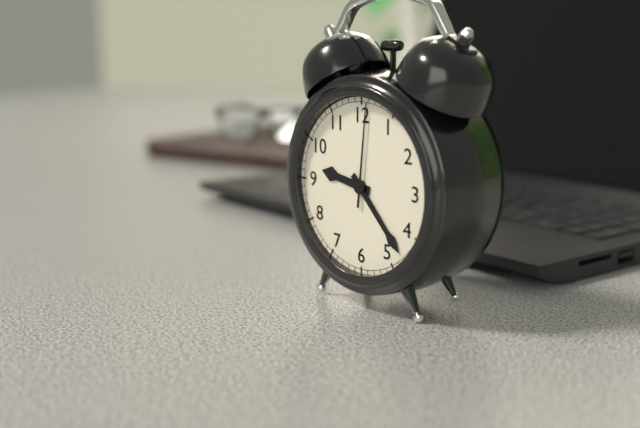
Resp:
9:23:01
